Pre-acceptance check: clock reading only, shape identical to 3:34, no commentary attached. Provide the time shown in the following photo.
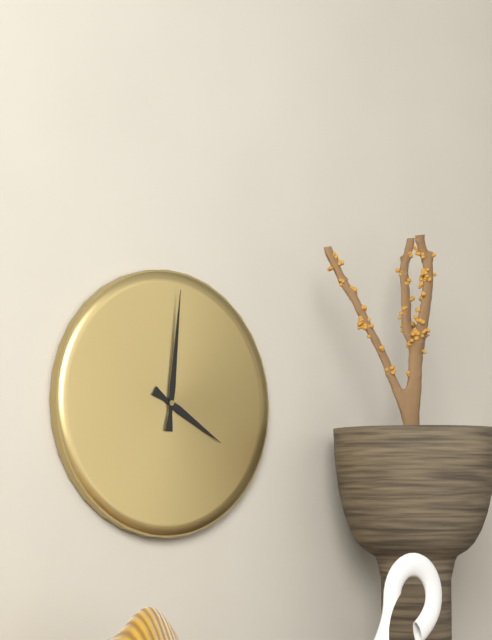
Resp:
4:01
